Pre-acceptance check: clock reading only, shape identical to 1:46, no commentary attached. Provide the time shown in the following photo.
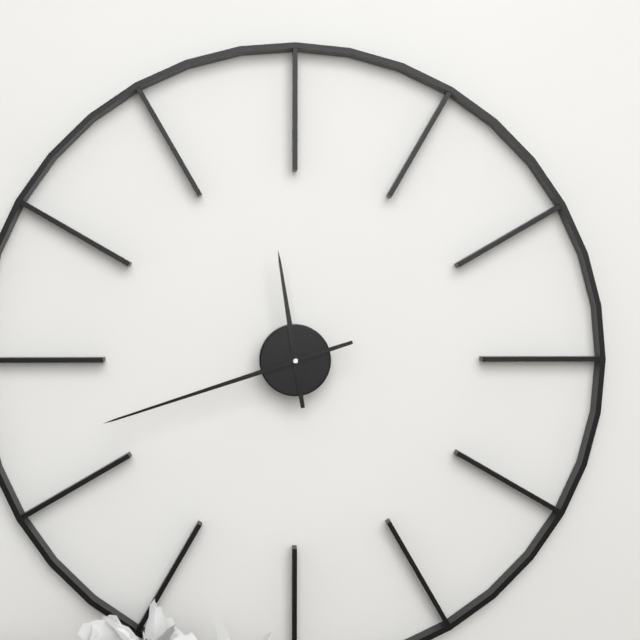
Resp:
11:42
